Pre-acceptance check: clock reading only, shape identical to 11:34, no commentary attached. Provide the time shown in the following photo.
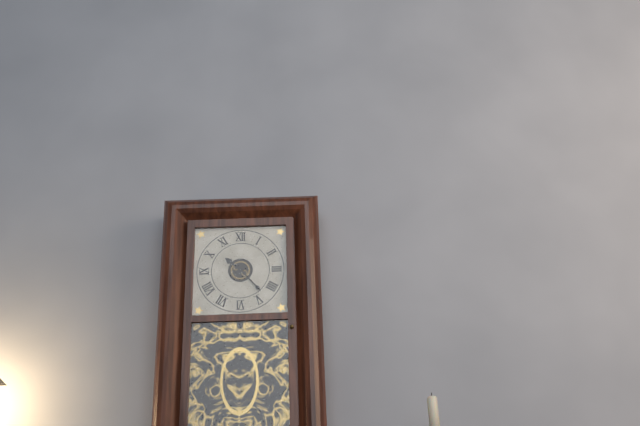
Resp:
10:23
